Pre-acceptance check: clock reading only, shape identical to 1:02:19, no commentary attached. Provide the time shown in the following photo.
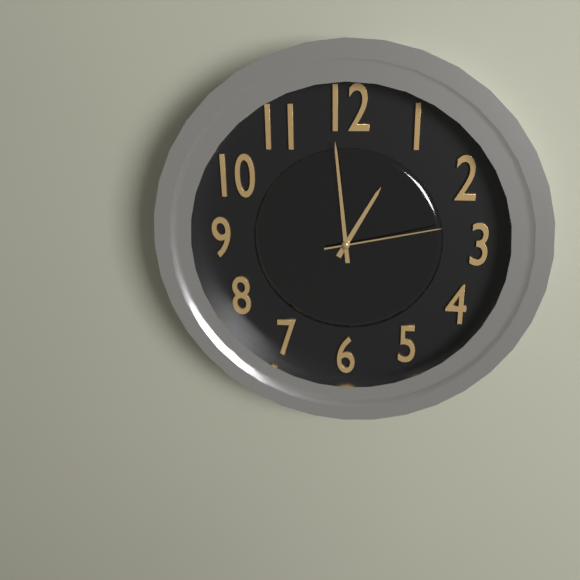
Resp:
12:59:13
